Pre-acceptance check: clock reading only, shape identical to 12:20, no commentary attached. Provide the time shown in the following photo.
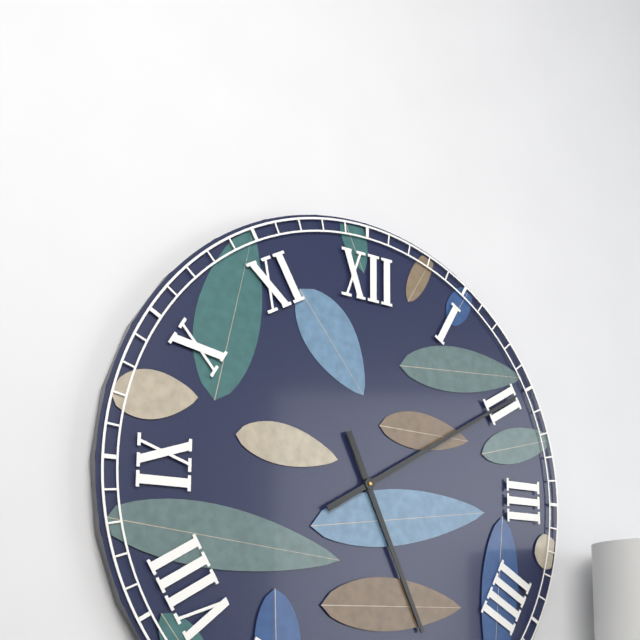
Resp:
5:10
